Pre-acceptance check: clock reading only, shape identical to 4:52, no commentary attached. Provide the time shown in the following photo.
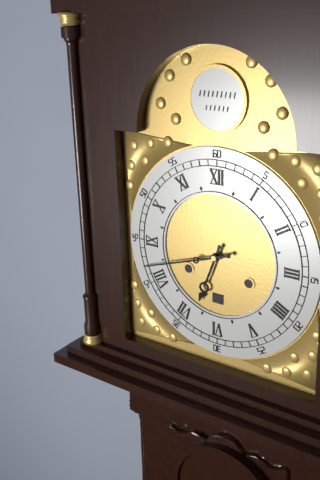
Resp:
6:42
